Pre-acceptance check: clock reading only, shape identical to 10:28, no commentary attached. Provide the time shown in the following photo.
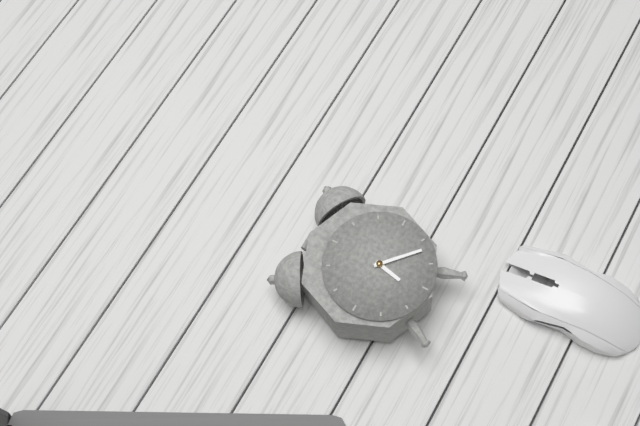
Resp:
6:22
